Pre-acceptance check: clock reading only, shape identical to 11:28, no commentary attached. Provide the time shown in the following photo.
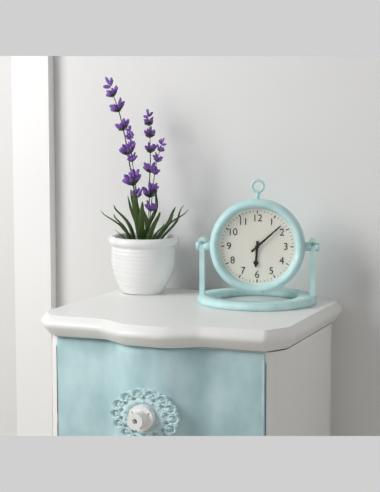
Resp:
6:08
